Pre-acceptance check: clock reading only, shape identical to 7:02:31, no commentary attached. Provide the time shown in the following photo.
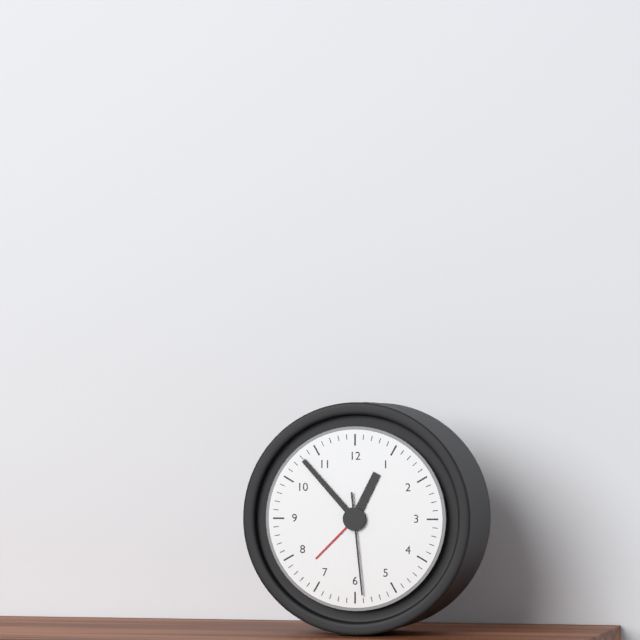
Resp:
12:53:29
